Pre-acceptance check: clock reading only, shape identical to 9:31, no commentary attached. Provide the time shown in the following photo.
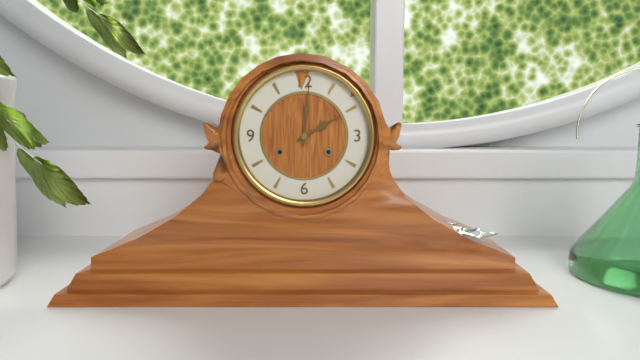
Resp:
2:01
